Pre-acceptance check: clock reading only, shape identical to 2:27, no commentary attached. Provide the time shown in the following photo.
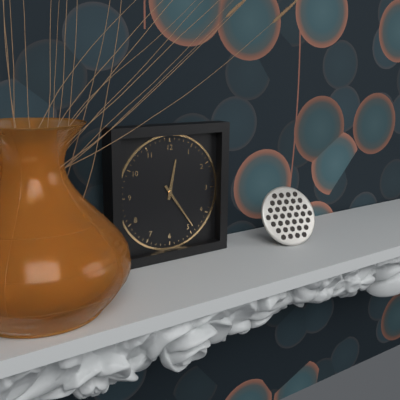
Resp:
12:24
